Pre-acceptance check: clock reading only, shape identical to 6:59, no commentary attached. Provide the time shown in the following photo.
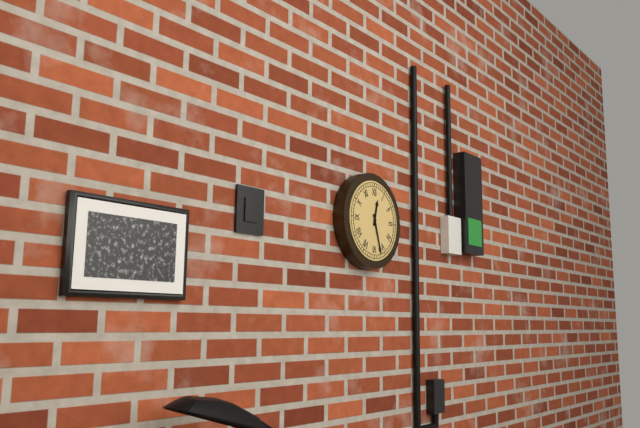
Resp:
12:27
